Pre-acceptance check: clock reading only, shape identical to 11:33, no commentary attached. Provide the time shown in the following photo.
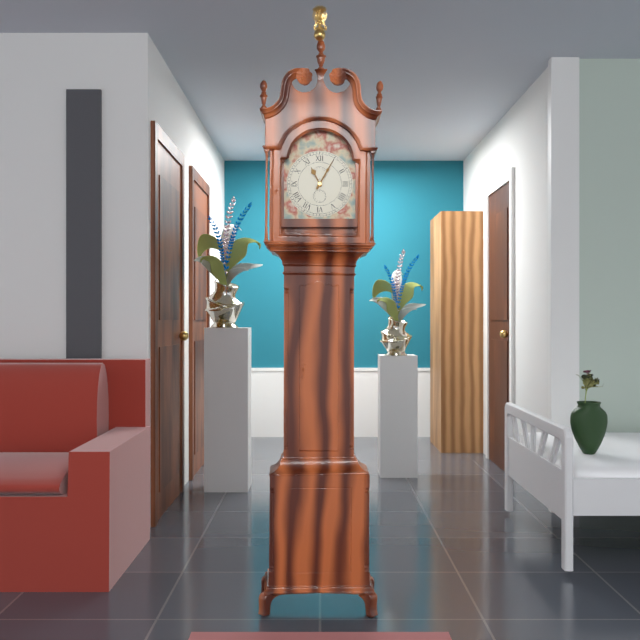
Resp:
11:05
